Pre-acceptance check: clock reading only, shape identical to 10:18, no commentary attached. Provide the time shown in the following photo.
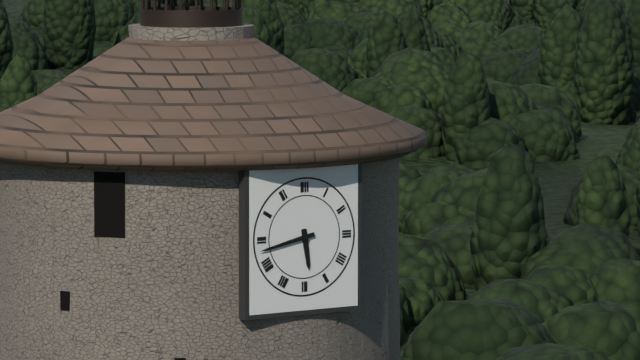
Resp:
5:43
